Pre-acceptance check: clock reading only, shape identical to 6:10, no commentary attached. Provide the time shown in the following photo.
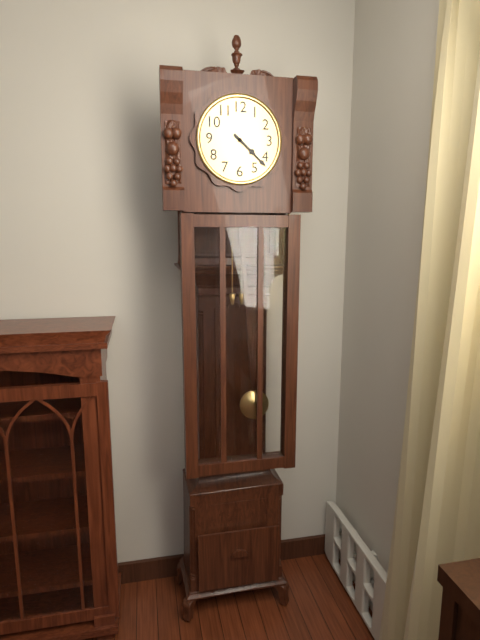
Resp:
4:22
